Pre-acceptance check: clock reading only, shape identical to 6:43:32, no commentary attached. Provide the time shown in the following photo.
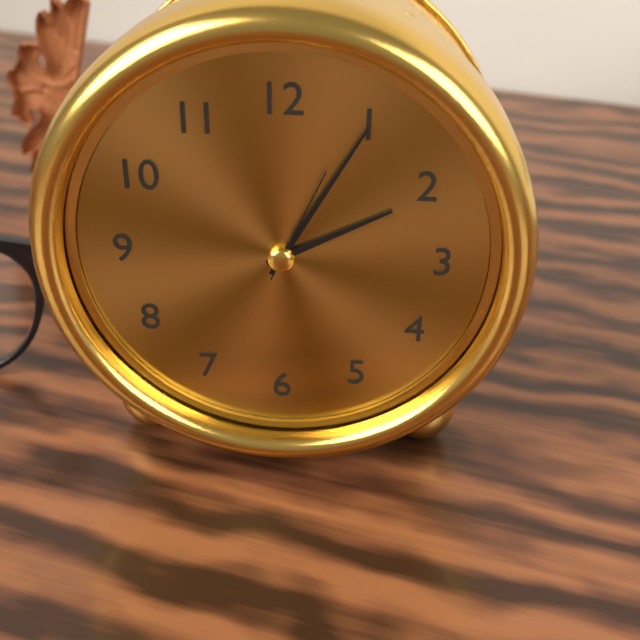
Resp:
2:05:04
